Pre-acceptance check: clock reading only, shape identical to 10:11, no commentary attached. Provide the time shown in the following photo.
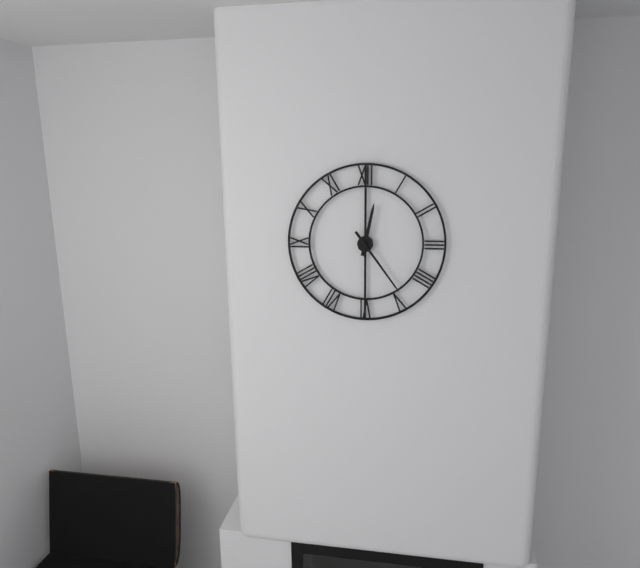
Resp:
12:24
